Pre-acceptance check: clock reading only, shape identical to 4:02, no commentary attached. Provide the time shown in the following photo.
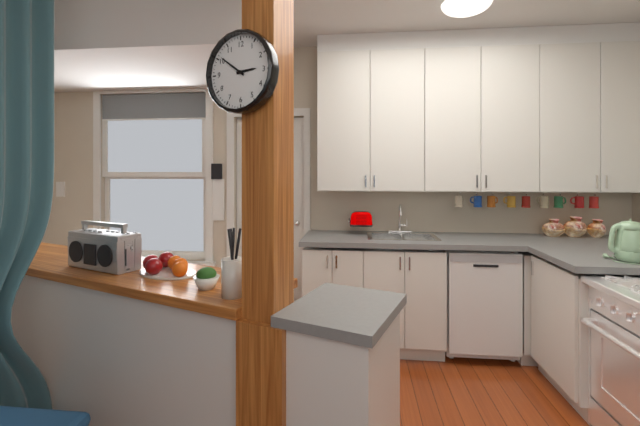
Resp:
2:51
